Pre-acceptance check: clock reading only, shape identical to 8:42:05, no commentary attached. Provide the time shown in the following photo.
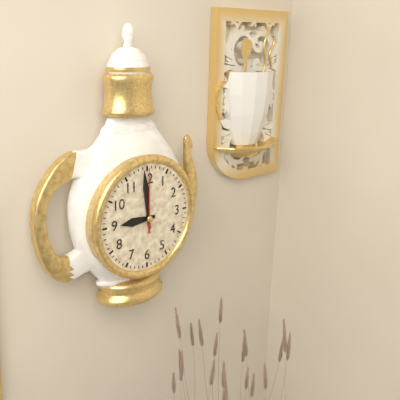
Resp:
8:59:00
